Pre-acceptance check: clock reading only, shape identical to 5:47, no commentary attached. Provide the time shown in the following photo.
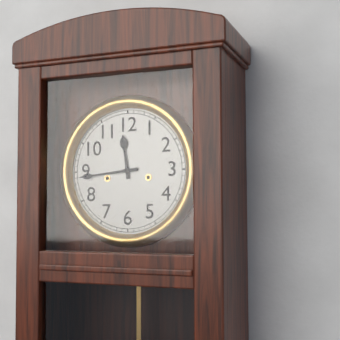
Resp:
11:44
